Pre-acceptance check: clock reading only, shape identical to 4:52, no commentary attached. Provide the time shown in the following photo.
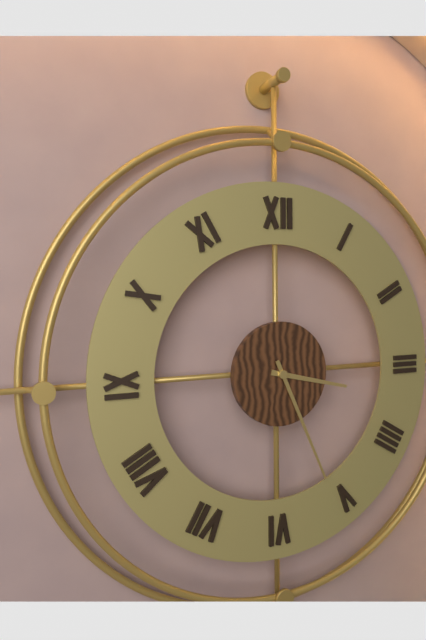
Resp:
3:26
